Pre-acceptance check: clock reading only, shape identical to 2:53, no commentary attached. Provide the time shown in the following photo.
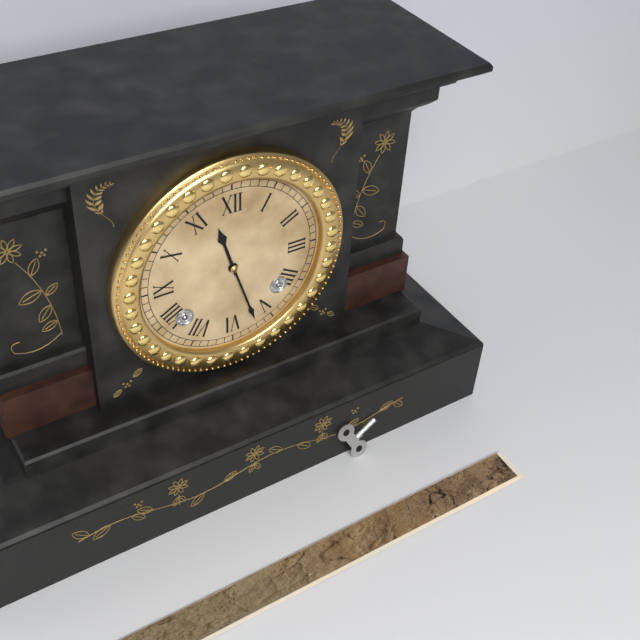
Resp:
11:27
